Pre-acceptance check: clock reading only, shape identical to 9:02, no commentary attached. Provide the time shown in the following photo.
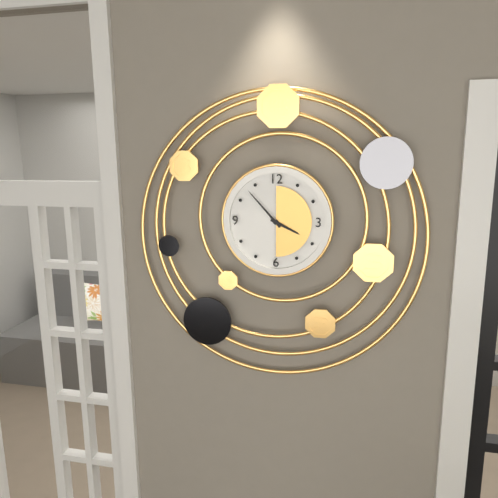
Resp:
3:53
